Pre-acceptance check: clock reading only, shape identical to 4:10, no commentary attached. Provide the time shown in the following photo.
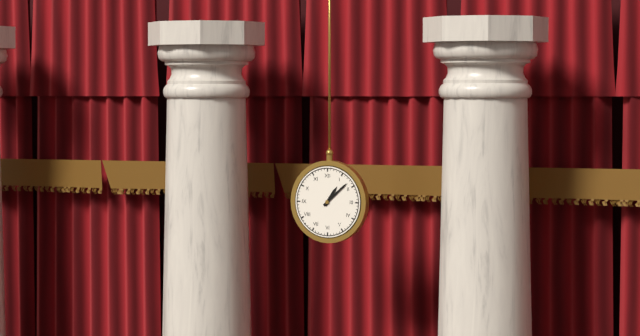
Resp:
1:08
